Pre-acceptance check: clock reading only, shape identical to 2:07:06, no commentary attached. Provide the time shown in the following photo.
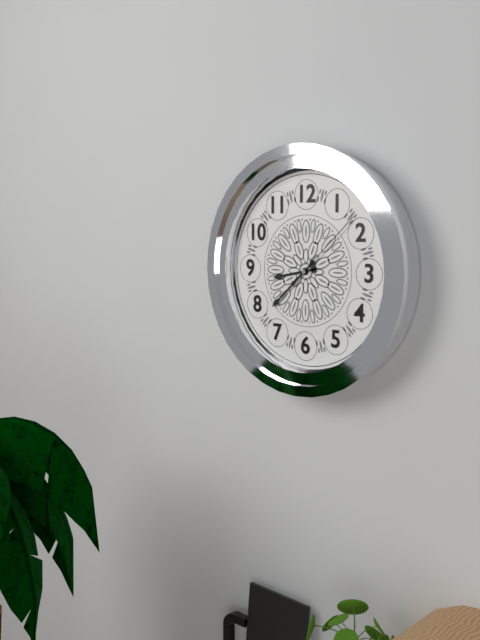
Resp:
8:38:08
